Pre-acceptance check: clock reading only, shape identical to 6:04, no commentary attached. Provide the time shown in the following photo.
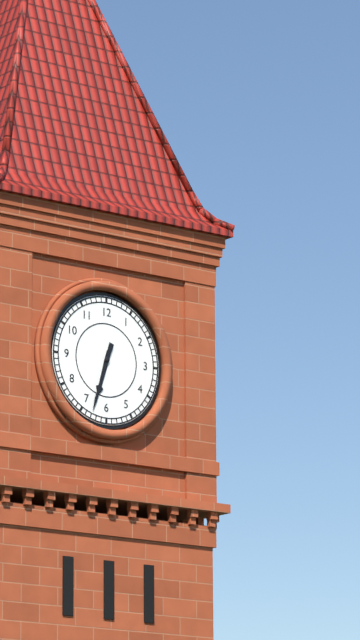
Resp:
6:33
